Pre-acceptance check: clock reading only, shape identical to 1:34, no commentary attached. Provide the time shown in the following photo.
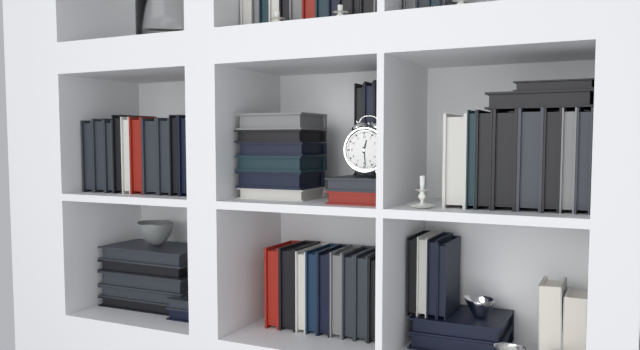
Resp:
12:29
